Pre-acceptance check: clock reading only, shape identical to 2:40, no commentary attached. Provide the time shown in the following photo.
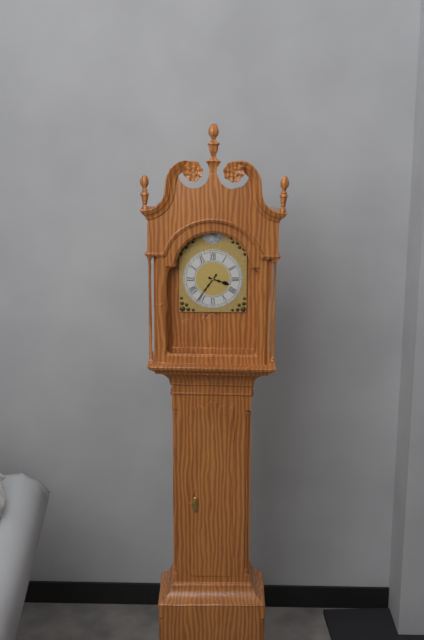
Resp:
3:36
